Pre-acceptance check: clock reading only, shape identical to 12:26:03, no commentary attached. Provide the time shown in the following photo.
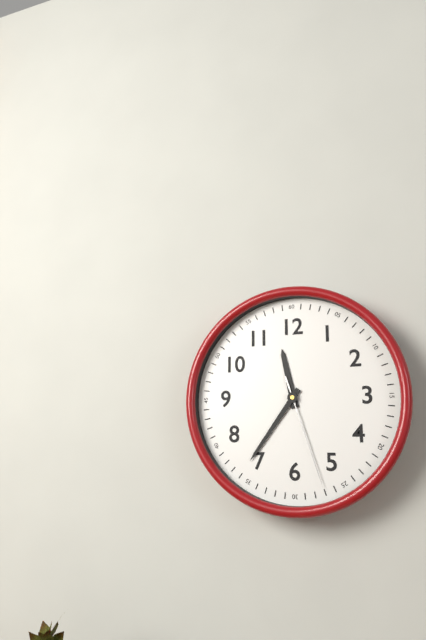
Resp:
11:36:27
